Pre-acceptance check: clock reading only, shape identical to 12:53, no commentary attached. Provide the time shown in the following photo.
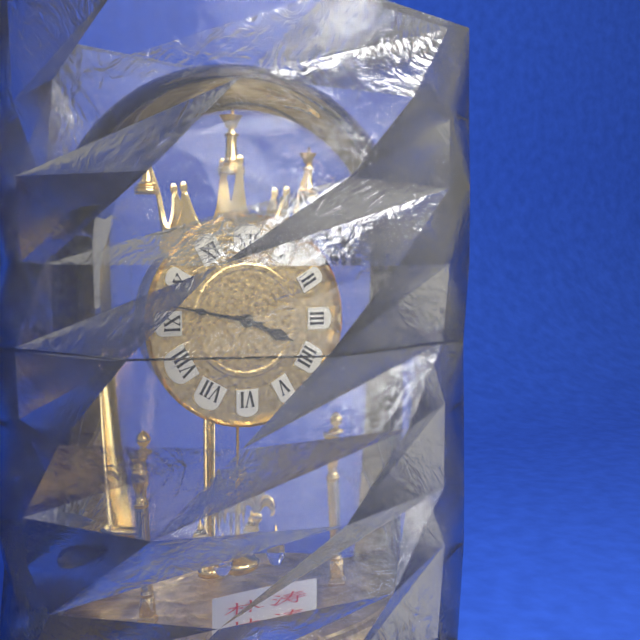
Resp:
3:47
